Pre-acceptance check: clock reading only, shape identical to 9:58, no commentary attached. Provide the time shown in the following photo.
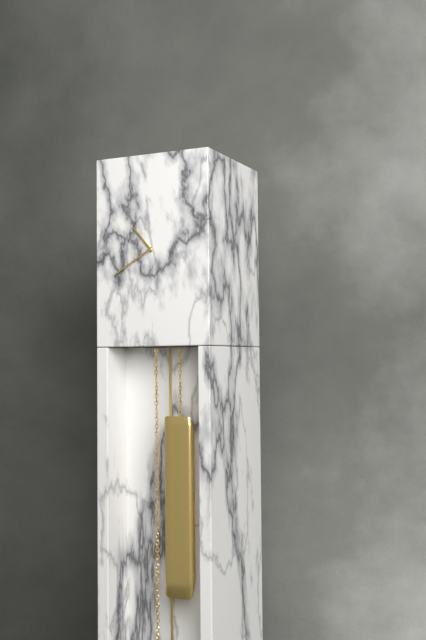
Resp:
10:40
